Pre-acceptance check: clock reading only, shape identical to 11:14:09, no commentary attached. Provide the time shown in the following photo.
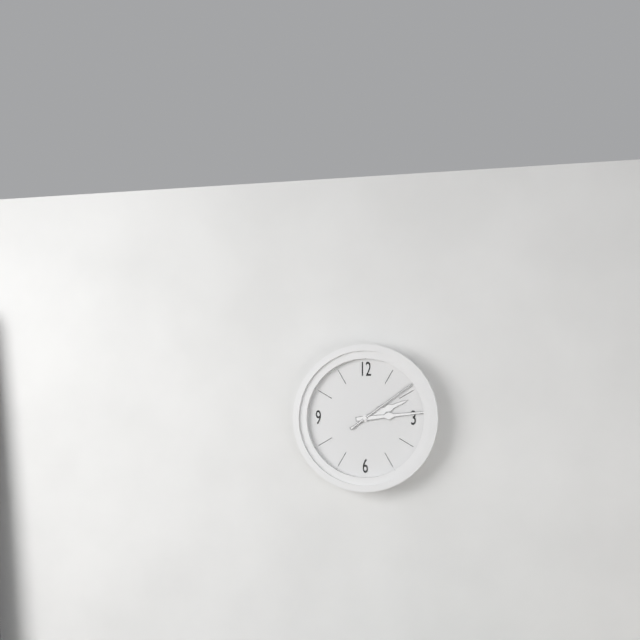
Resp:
2:14:09
